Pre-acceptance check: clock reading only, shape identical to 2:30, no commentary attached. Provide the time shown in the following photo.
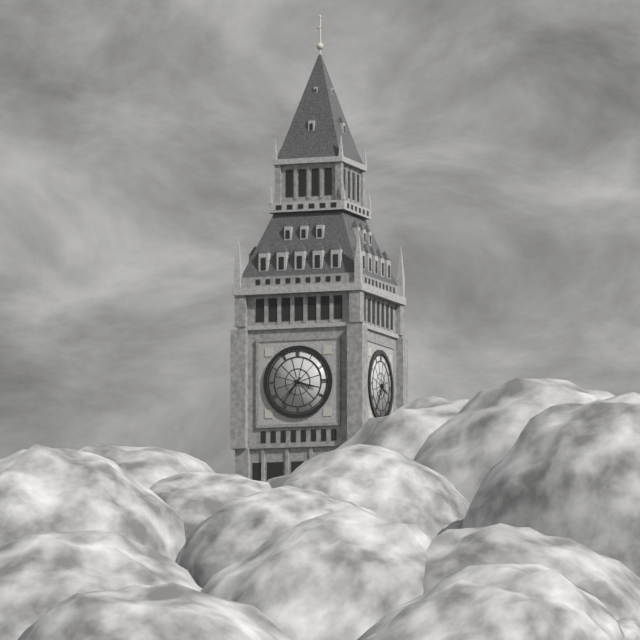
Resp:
3:36
